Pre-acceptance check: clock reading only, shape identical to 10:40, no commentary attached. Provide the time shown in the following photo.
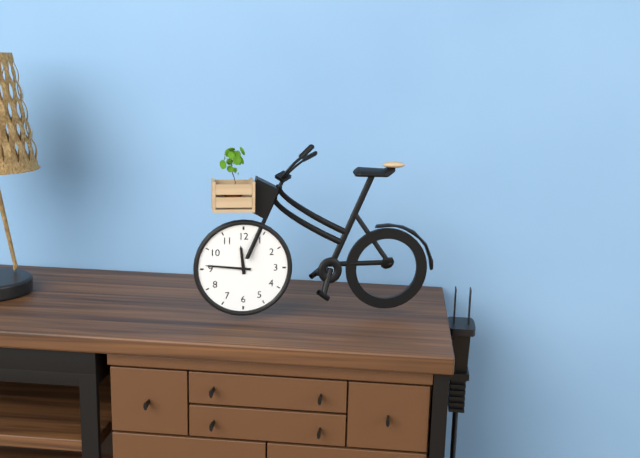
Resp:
11:46
